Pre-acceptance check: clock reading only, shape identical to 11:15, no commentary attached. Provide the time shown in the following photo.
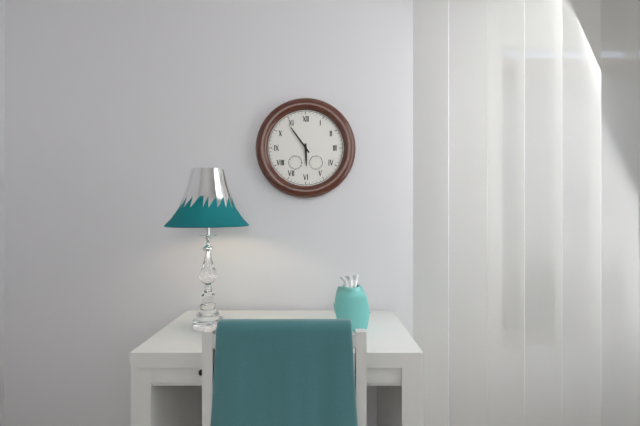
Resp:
5:54
